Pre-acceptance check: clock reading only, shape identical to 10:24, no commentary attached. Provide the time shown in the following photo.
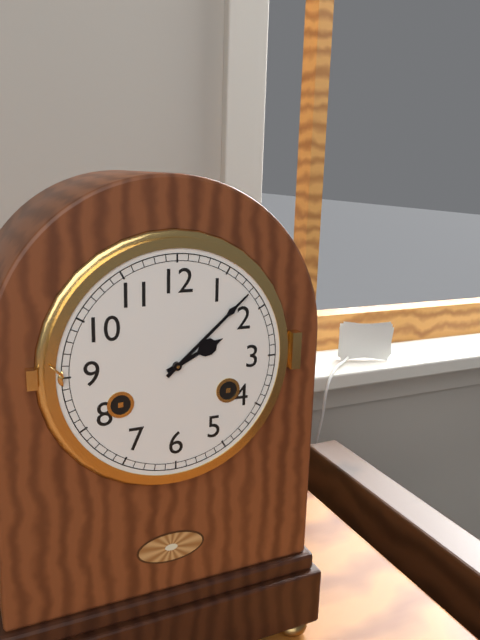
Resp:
2:08
